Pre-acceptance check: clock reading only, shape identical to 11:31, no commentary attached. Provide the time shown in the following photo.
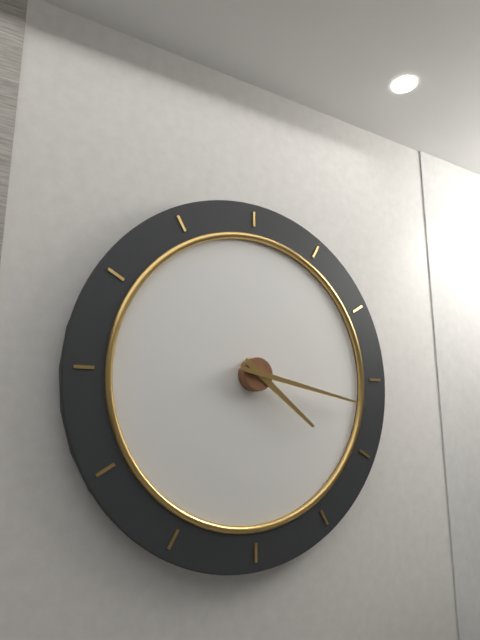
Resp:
4:17
